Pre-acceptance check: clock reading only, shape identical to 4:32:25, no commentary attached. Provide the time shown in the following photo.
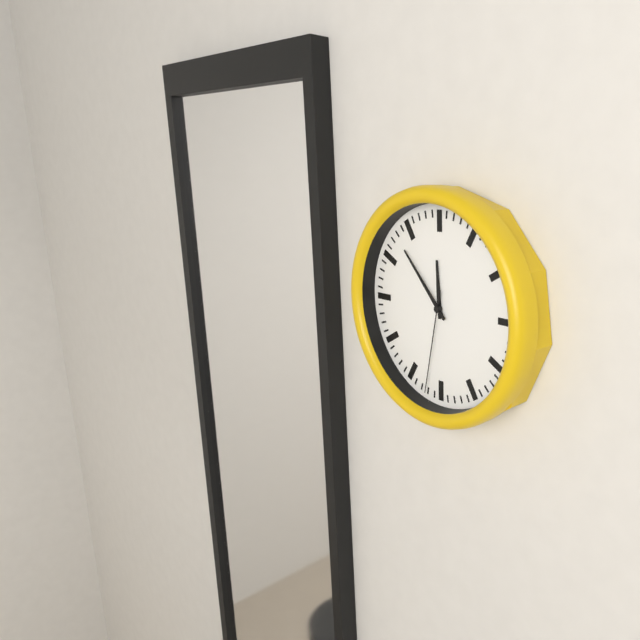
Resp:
11:53:32
